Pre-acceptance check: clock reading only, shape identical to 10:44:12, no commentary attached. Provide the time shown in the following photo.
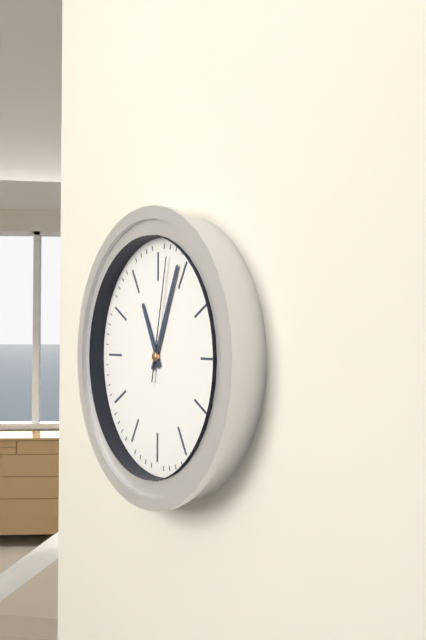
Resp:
11:04:02
